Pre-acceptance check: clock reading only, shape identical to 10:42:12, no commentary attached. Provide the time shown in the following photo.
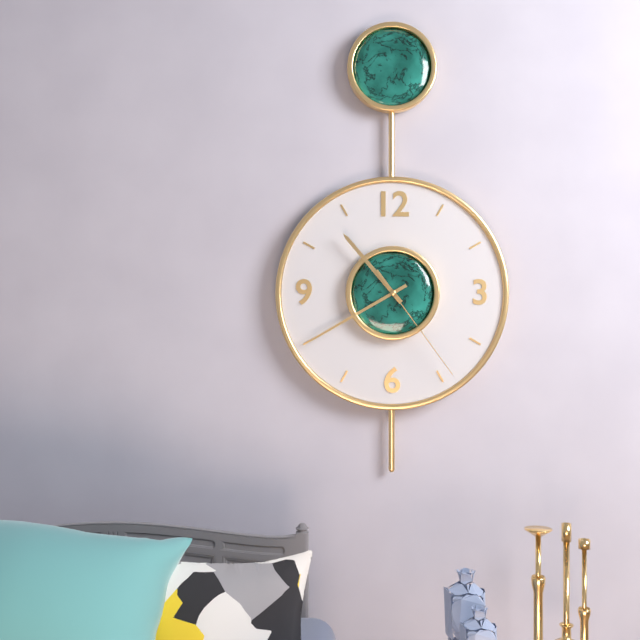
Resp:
10:40:24
